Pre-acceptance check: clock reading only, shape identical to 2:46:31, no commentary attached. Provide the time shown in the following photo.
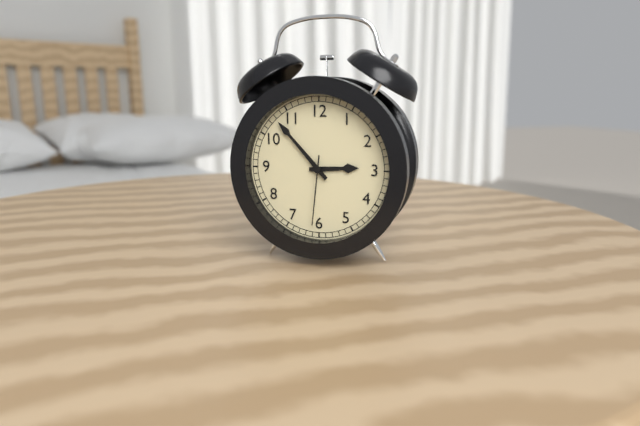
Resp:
2:53:31
